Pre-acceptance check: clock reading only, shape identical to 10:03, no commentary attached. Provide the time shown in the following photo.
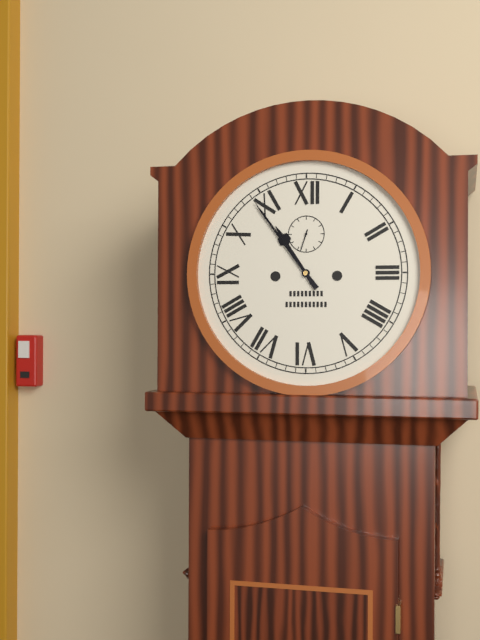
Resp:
10:54
